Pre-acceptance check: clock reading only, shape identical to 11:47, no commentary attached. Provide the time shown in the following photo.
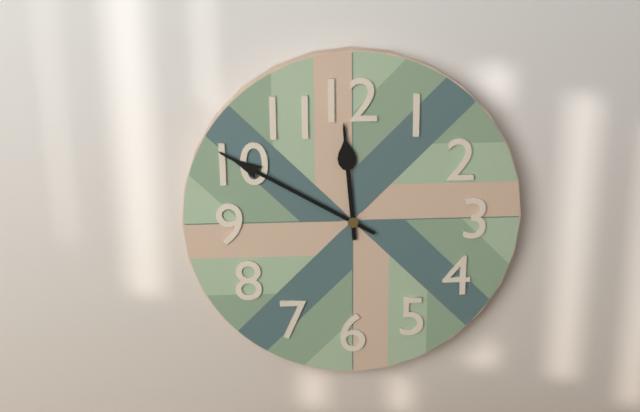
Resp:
11:50
